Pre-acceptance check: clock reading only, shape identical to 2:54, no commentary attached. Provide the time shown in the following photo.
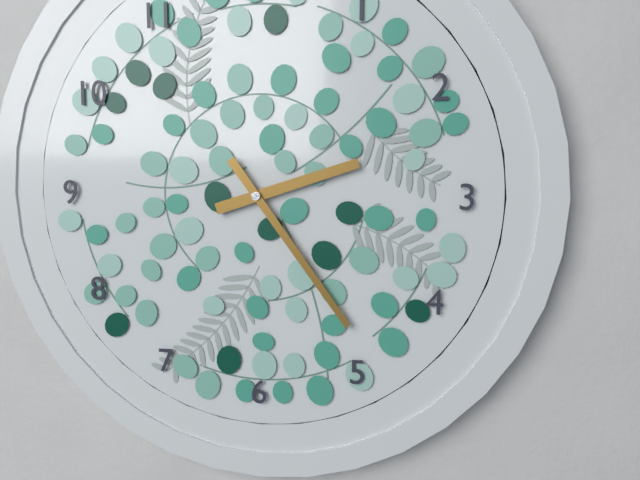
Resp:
2:24
